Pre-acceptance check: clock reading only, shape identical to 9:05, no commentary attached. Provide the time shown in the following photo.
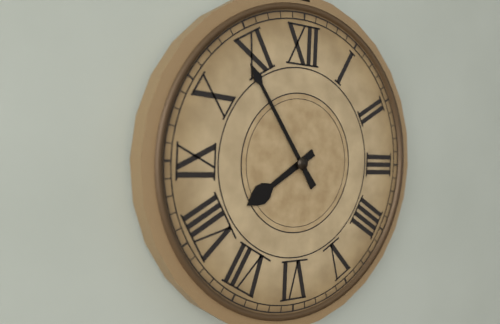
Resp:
7:54
